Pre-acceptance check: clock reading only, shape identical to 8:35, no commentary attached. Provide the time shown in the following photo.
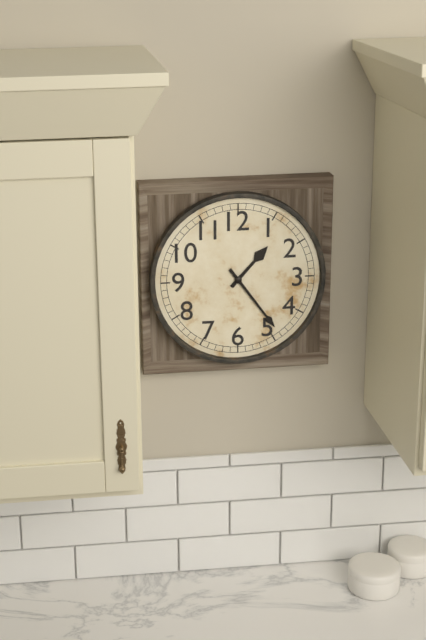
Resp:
1:24
